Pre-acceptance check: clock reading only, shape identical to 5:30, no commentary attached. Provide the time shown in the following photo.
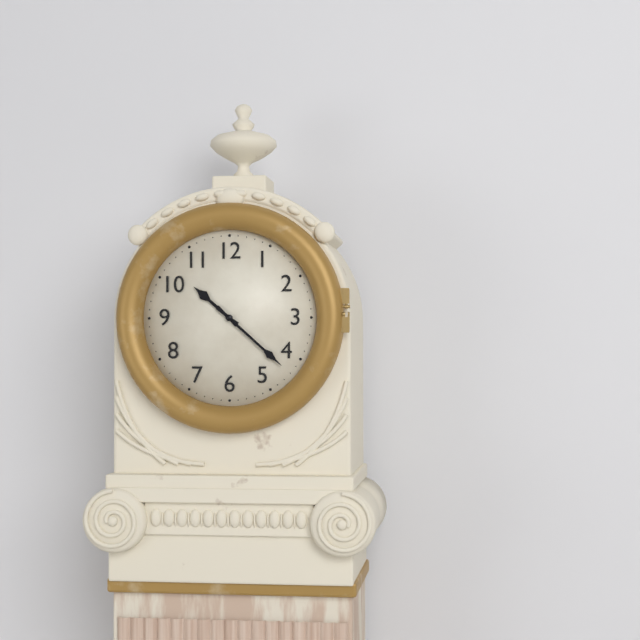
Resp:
10:22
